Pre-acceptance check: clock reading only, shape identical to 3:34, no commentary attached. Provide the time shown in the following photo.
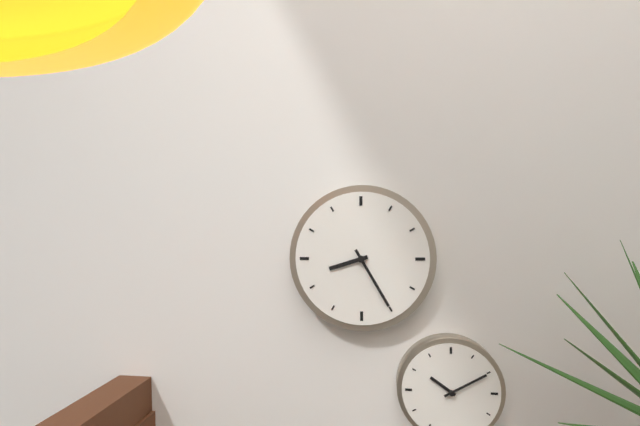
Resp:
8:25
